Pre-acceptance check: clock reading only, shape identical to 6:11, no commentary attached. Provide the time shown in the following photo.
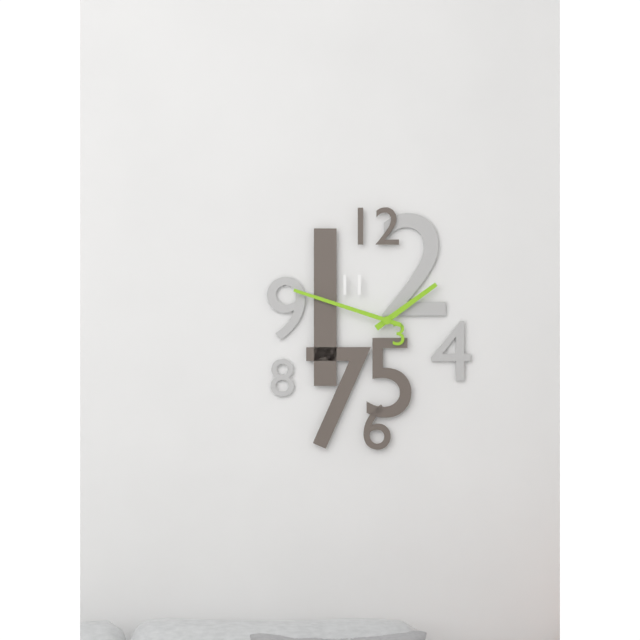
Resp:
1:48
